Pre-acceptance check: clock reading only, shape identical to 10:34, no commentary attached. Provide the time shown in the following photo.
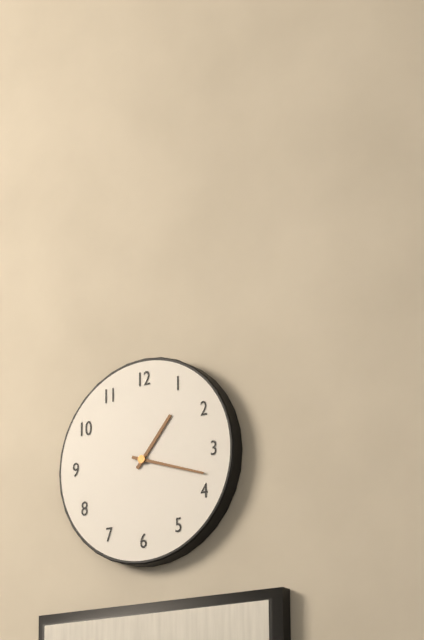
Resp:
1:18
